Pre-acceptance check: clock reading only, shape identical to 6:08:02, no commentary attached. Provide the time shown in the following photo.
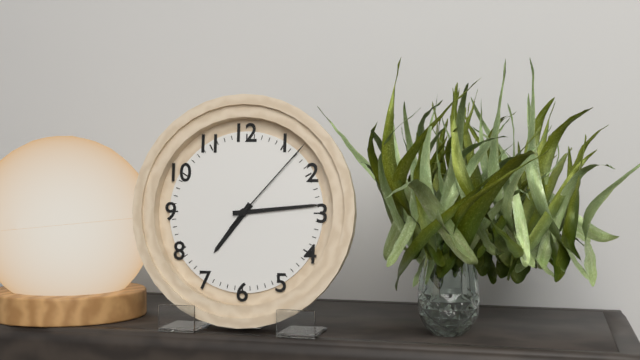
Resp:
7:14:07
